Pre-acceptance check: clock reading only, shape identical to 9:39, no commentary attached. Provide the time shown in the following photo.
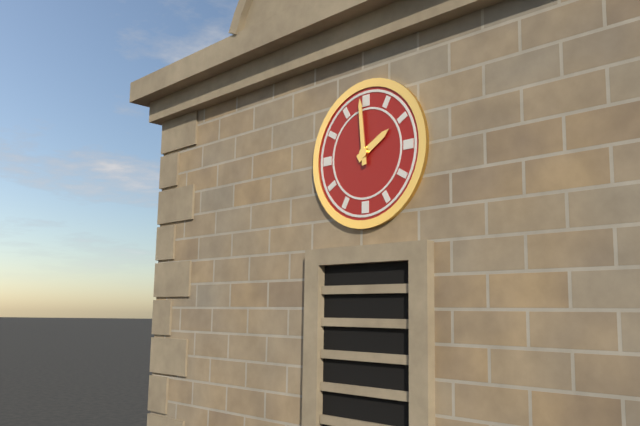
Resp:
1:59
